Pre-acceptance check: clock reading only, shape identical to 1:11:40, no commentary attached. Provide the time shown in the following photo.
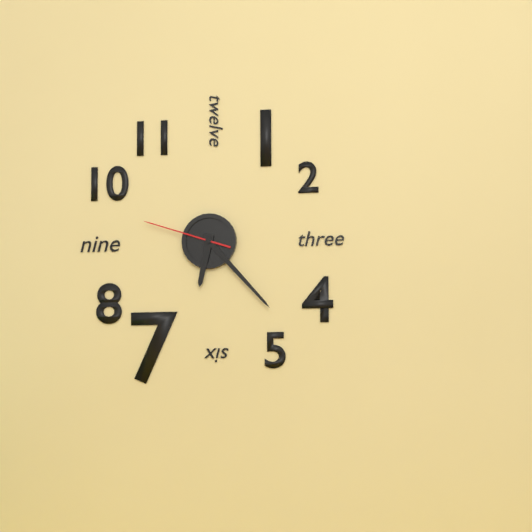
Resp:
6:23:48
